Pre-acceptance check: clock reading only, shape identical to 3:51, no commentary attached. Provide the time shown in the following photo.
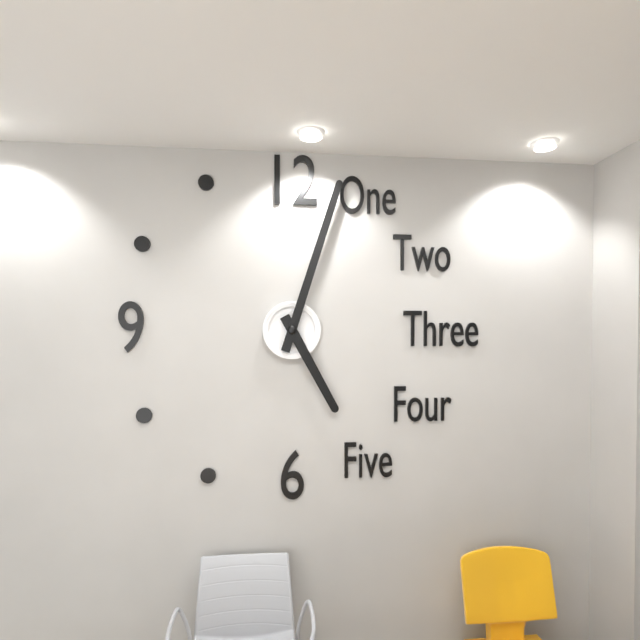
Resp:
5:03
